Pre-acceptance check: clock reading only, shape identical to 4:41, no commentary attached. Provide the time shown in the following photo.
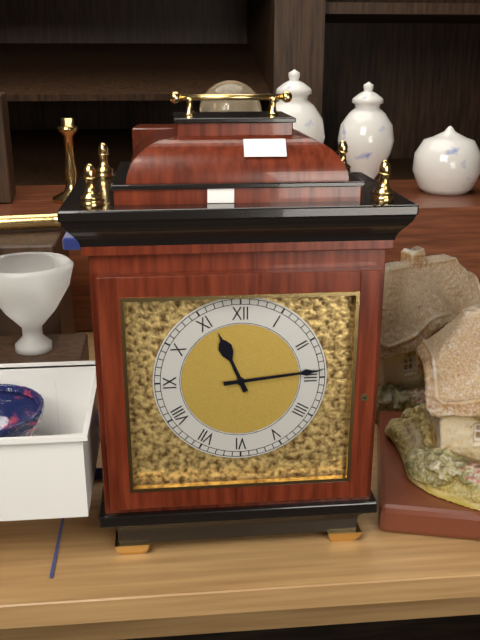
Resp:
11:14
